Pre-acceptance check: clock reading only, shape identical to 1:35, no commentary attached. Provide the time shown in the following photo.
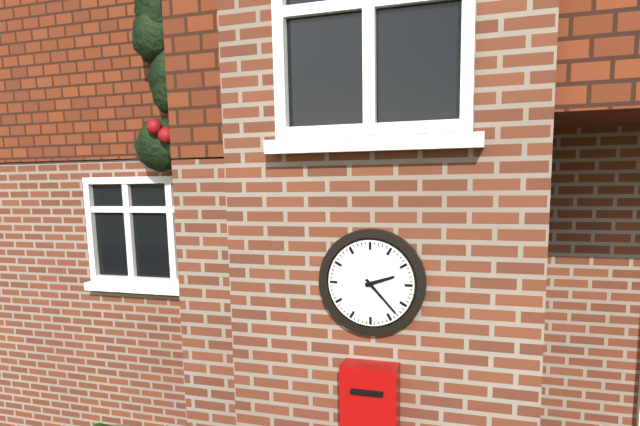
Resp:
2:23
